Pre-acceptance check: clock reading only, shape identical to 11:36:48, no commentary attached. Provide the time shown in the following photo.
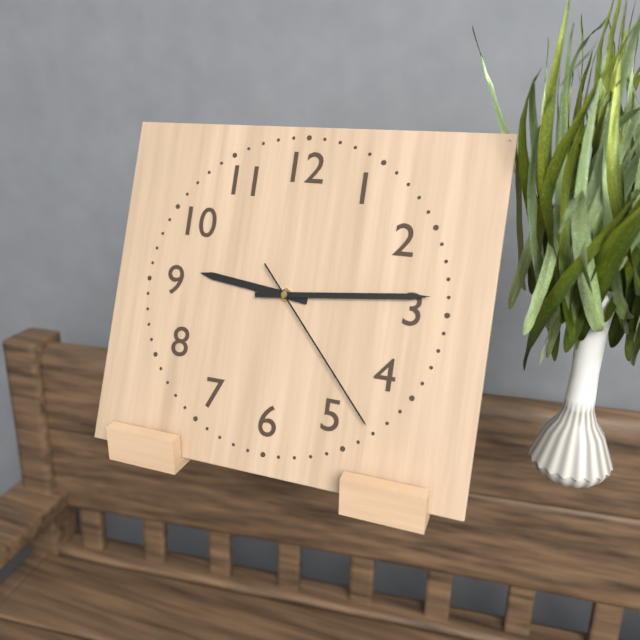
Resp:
9:14:23
